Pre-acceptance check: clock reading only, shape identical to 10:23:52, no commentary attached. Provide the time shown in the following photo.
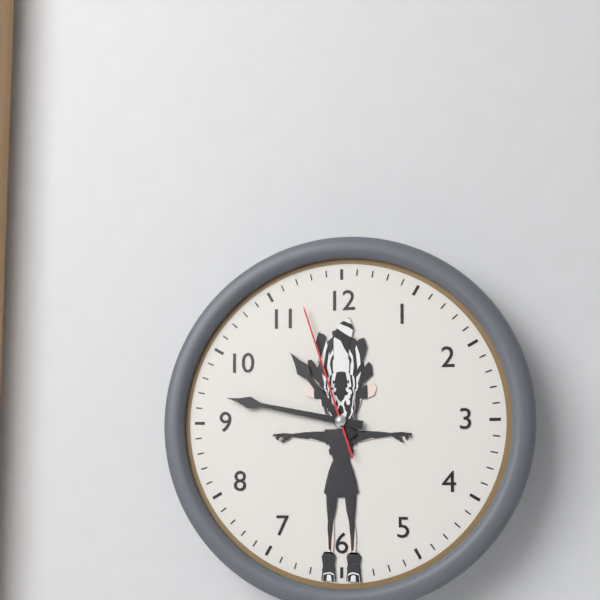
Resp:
10:47:57
